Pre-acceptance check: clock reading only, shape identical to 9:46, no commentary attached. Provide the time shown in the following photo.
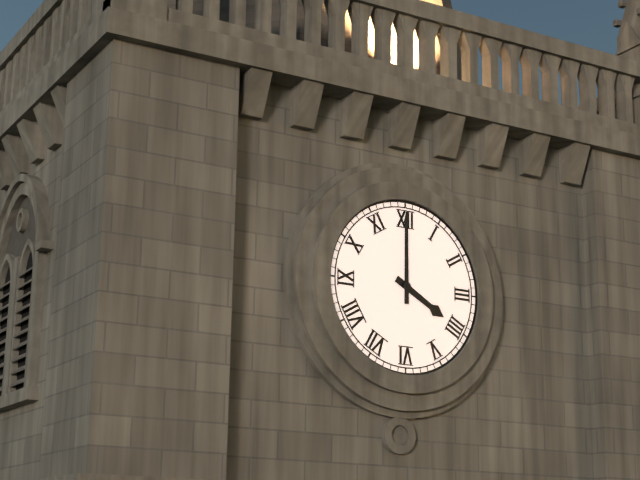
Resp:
4:00
